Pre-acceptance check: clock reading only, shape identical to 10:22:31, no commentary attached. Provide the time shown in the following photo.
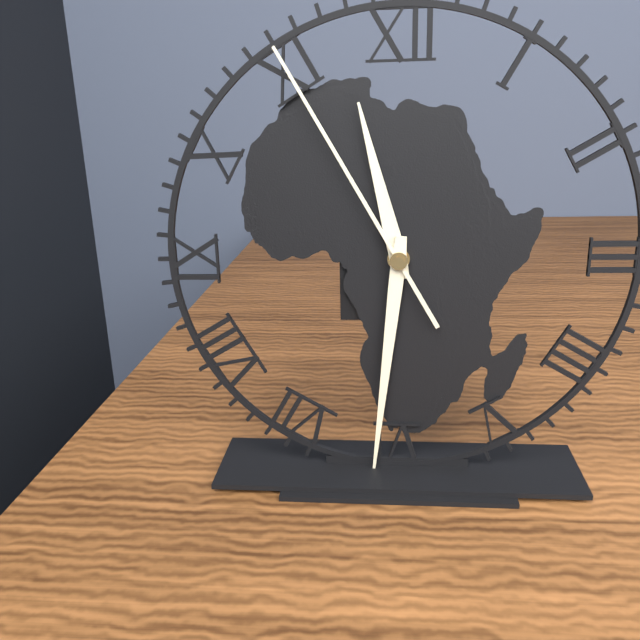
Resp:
11:31:55
